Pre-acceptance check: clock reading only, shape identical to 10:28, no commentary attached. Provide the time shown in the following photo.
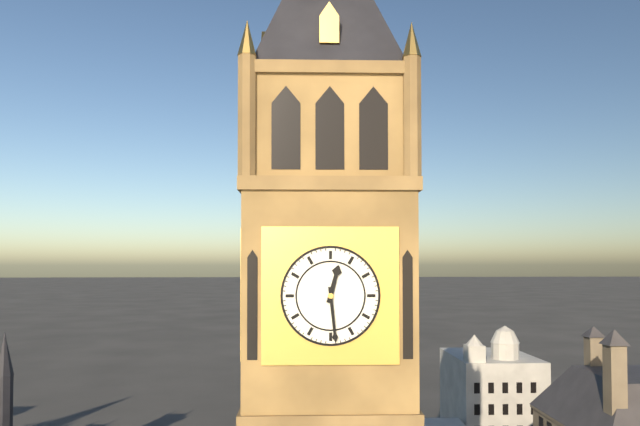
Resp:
12:29
